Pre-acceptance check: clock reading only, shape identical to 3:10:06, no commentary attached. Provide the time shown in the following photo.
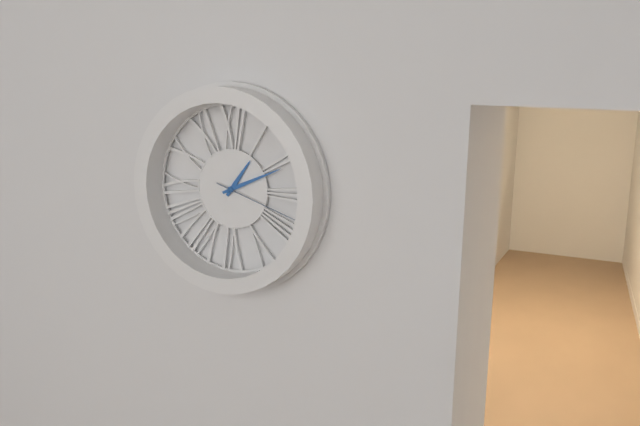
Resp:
1:11:18
